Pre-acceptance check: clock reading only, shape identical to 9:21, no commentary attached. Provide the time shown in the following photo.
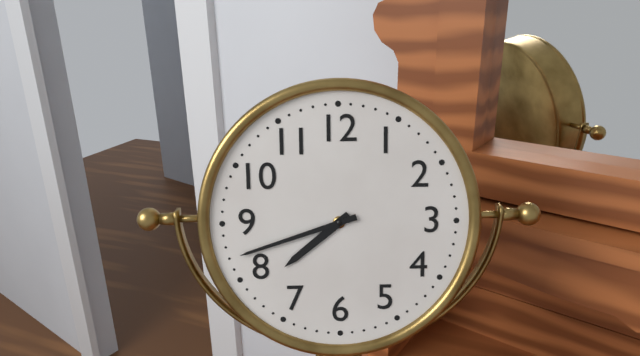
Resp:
7:42
